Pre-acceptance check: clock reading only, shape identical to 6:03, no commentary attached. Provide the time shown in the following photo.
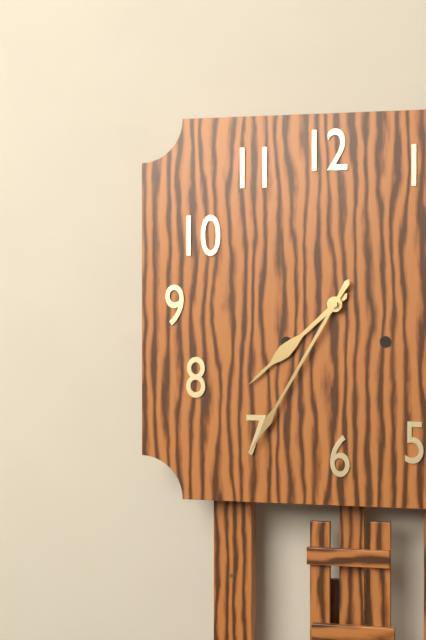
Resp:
7:35
